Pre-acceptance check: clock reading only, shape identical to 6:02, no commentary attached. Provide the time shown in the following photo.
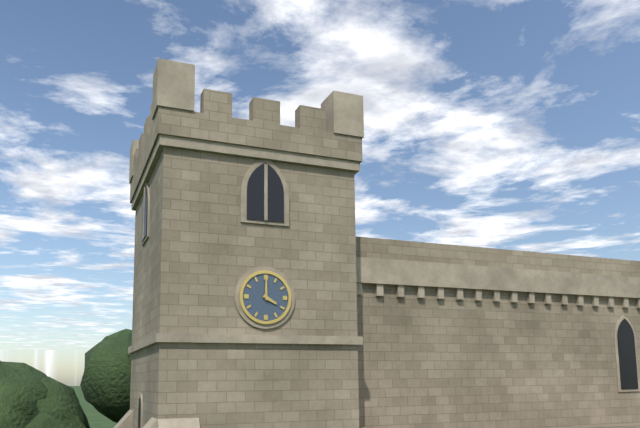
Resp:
4:00
